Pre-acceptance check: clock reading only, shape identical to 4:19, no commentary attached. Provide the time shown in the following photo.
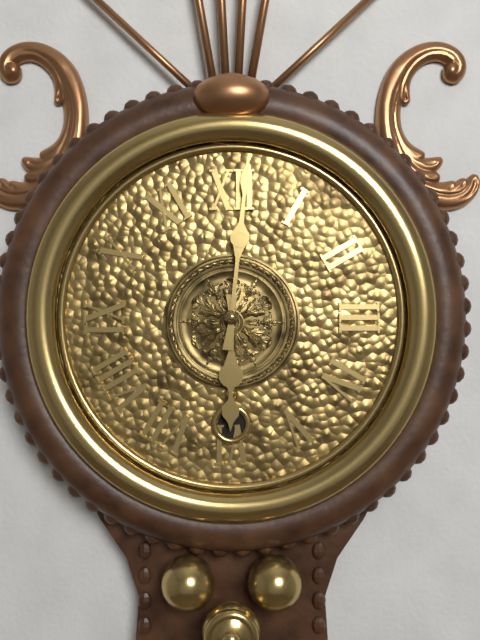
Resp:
6:01
